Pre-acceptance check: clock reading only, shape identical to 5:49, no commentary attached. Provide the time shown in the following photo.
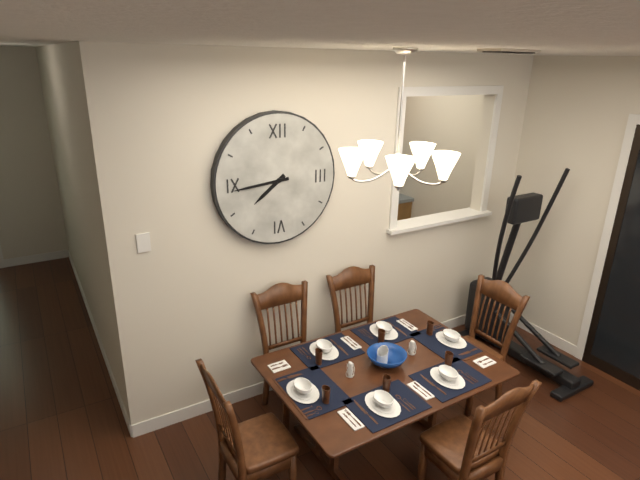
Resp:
7:44
